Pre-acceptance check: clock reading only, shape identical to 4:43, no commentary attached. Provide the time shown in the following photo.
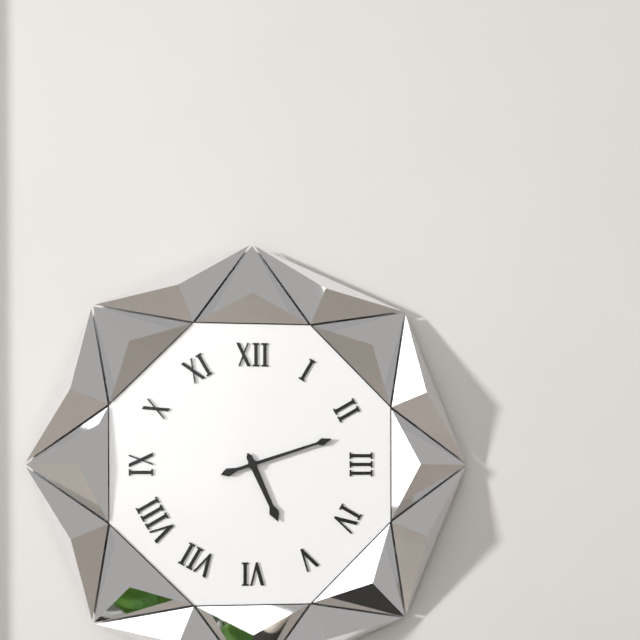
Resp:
5:12
